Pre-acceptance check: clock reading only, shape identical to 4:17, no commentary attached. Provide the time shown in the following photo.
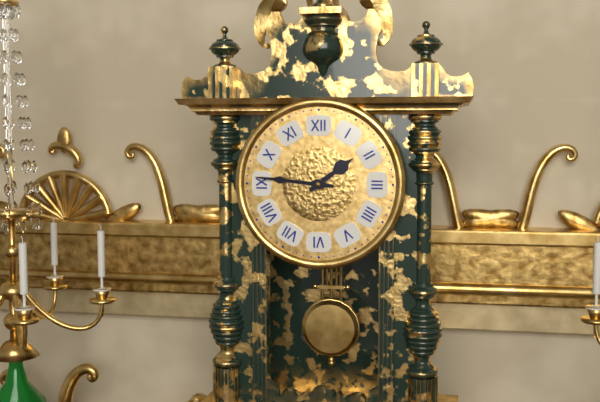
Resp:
1:46
